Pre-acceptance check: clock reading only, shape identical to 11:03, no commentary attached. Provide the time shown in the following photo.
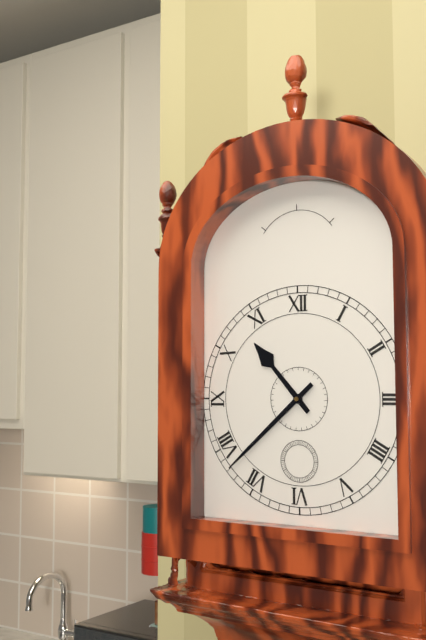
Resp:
10:38
